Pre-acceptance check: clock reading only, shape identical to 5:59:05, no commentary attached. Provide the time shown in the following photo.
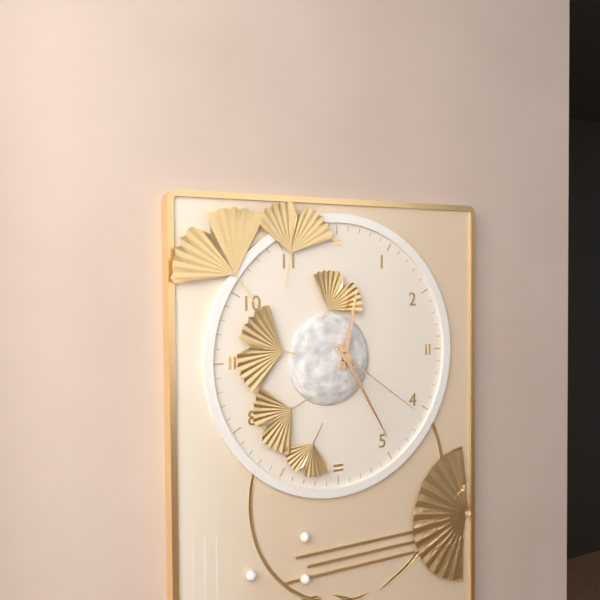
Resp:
12:25:21
